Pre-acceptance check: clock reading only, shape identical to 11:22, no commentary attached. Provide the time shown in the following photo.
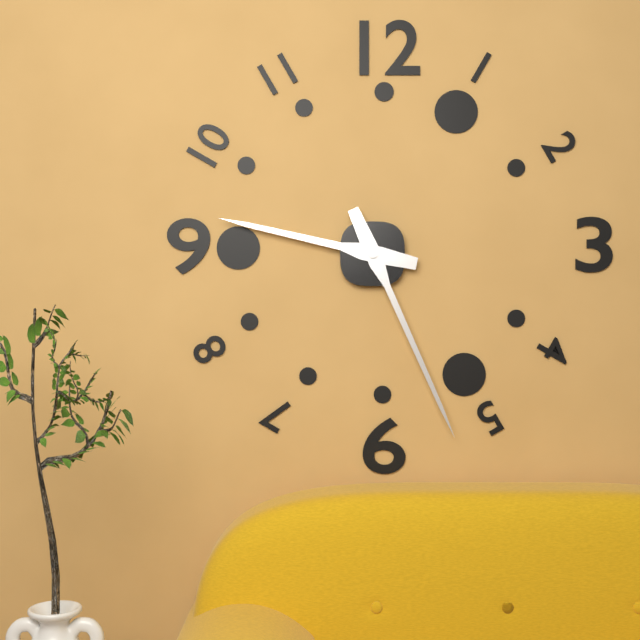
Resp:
9:26
